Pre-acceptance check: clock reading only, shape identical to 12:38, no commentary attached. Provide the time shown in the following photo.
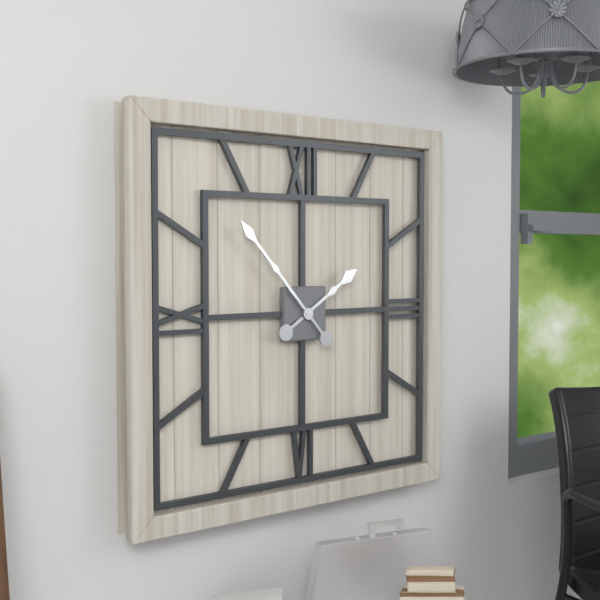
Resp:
1:53
